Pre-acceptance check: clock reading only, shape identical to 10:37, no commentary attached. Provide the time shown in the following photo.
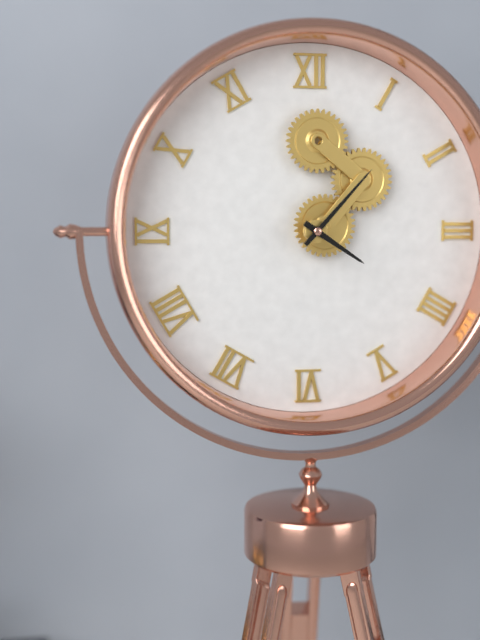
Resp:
4:07
